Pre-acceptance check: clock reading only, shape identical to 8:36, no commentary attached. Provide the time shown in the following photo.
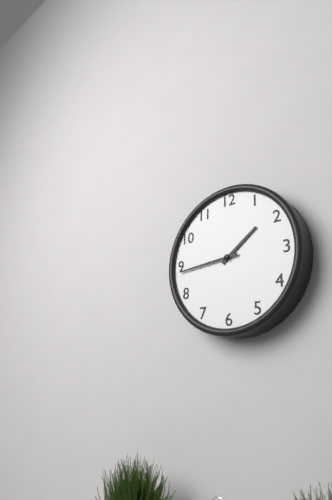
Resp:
1:44
